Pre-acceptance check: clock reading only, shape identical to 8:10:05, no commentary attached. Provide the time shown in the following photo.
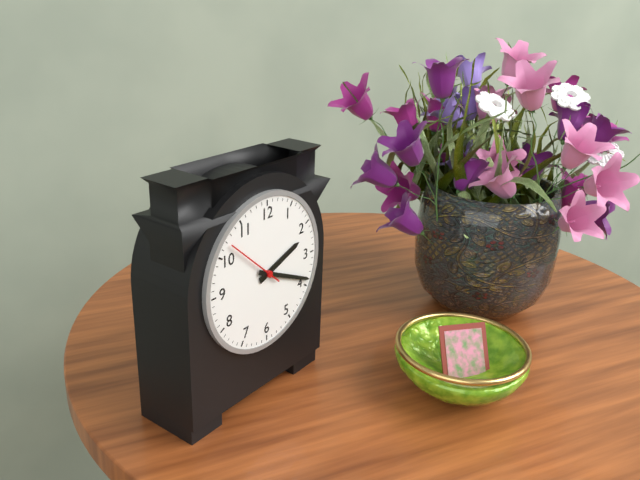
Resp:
2:19:52
